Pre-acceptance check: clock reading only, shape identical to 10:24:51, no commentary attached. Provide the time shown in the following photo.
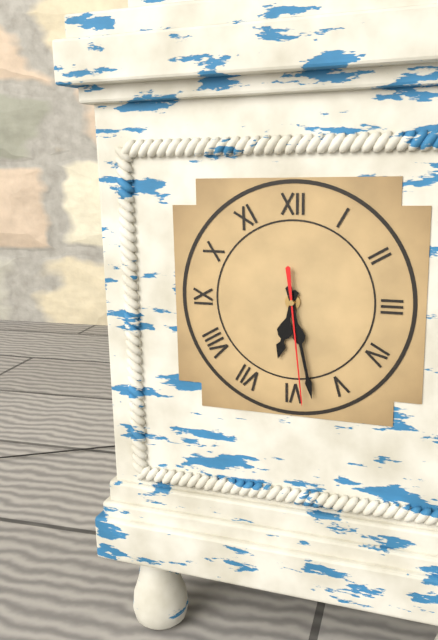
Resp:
6:28:29
